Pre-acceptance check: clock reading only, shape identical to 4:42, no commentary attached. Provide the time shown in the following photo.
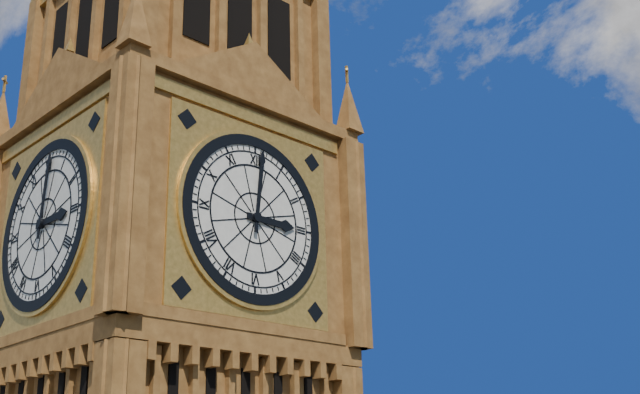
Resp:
3:01
